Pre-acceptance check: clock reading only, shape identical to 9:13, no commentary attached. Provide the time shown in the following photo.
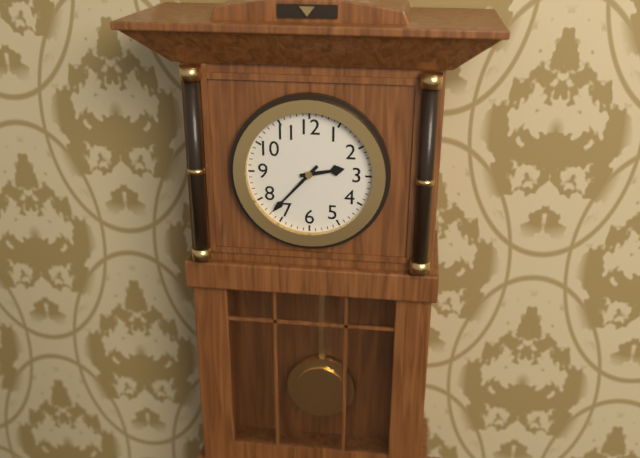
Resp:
2:37
